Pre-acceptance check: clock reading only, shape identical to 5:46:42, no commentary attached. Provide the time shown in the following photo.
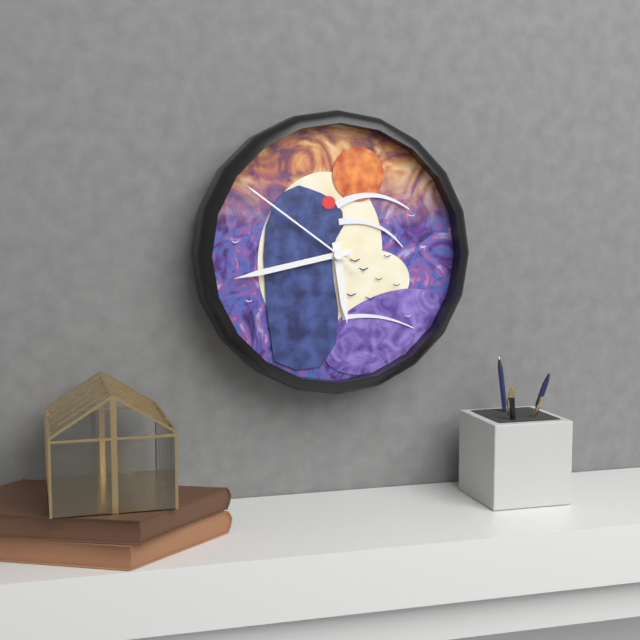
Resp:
5:43:51
